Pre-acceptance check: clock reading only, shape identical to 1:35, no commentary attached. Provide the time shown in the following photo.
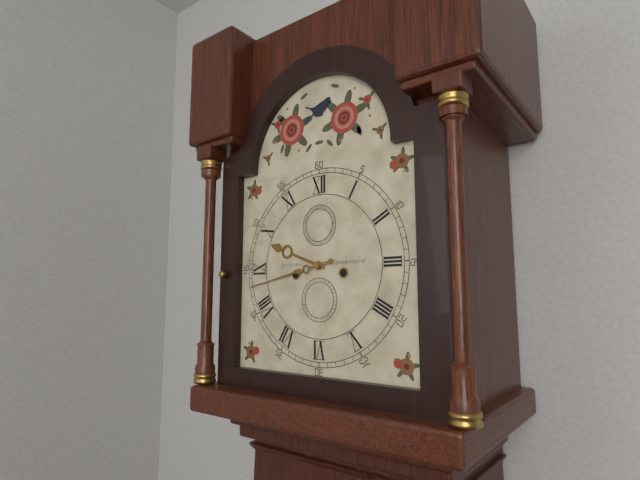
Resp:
9:43
